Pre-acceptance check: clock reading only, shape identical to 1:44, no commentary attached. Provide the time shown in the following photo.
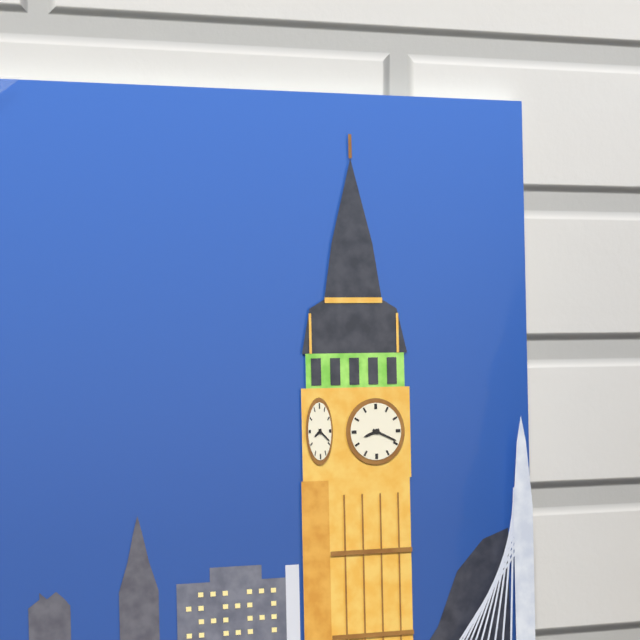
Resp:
8:19
